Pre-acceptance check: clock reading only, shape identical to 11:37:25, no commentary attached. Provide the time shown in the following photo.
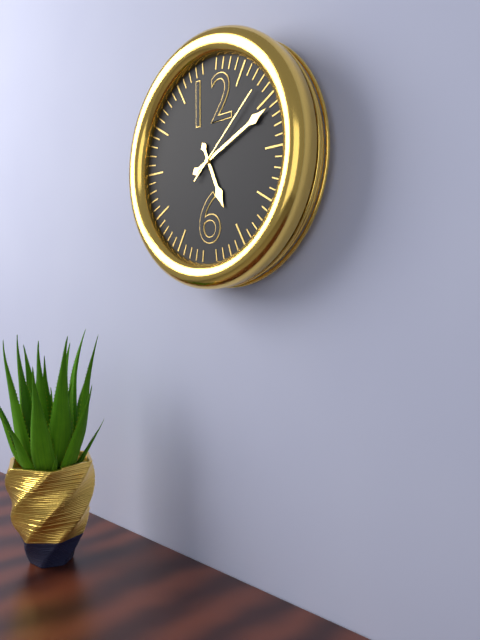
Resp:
5:11:08
